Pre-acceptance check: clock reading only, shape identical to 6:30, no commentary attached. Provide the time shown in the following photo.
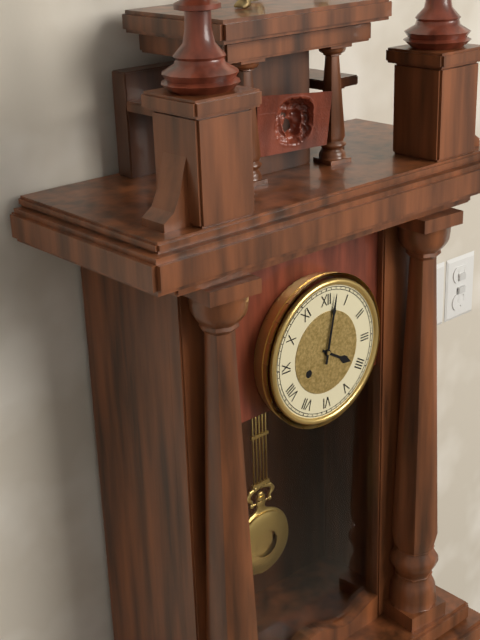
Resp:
4:02
